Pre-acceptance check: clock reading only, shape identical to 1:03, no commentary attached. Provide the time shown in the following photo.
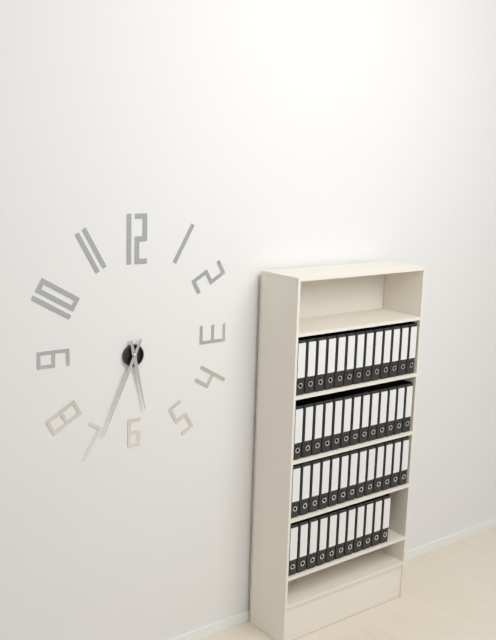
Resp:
5:34
